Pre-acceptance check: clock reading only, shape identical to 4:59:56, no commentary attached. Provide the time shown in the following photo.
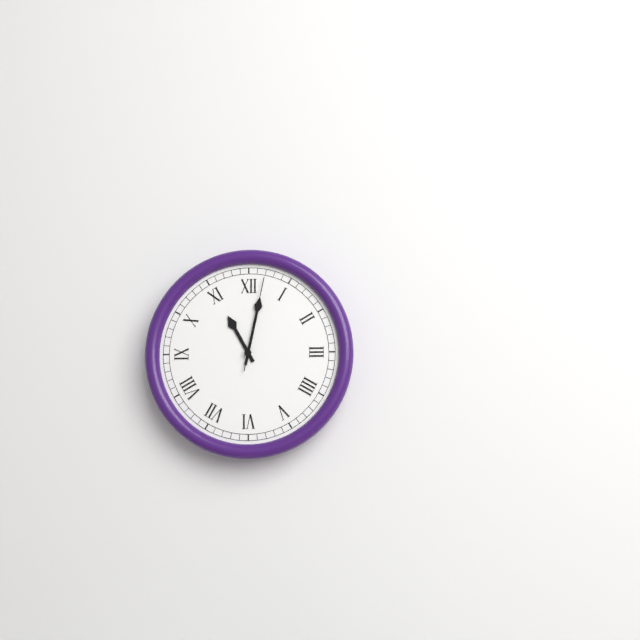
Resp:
11:02:02
